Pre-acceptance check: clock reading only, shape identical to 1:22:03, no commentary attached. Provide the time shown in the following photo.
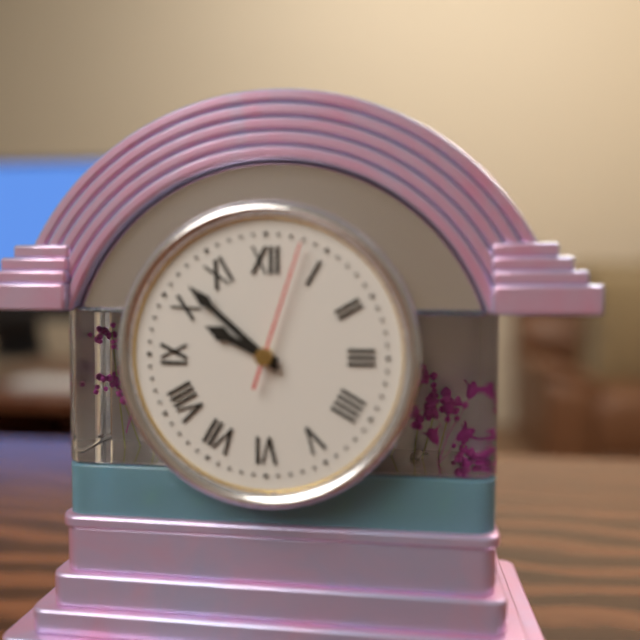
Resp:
9:52:03
